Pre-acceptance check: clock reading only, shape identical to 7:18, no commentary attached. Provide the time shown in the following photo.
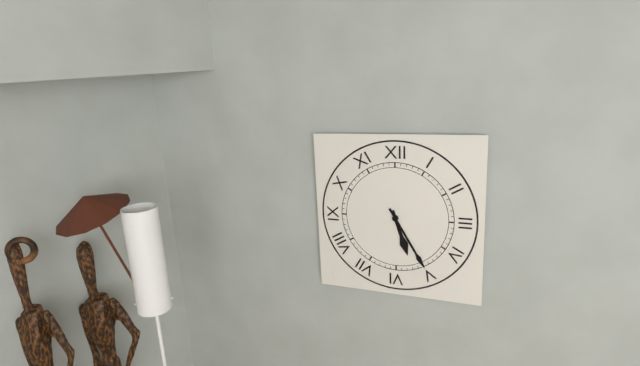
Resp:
5:25
